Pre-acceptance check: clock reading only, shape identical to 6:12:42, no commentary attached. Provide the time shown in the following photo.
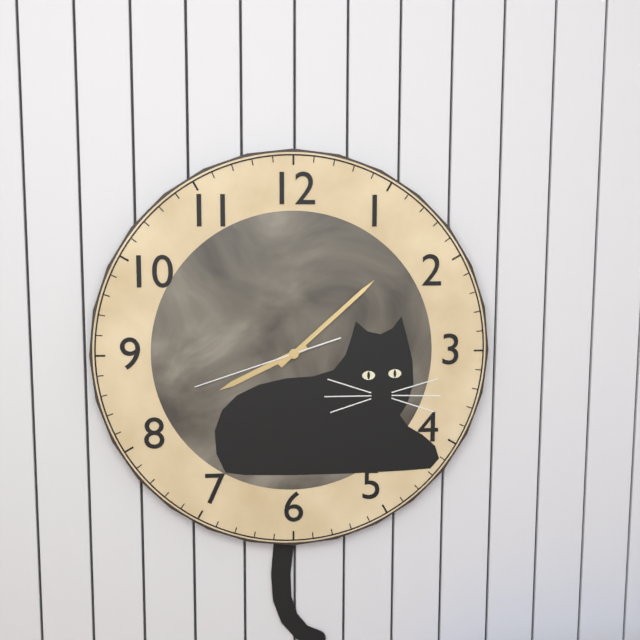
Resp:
8:08:42
